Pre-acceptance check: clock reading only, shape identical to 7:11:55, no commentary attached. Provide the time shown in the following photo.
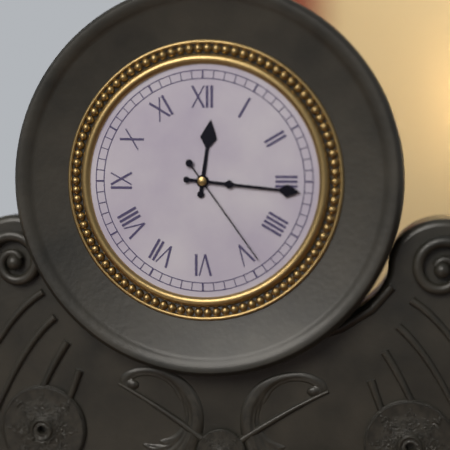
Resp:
12:16:24
